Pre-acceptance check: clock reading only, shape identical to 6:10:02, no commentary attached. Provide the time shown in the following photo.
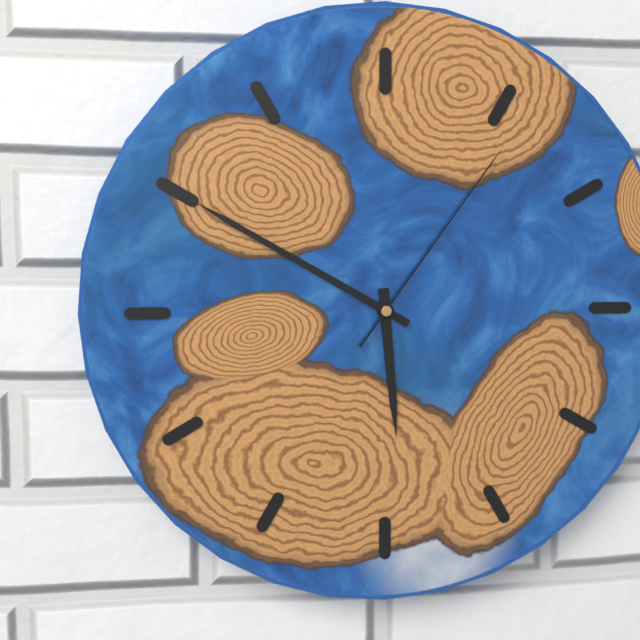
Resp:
5:50:06
